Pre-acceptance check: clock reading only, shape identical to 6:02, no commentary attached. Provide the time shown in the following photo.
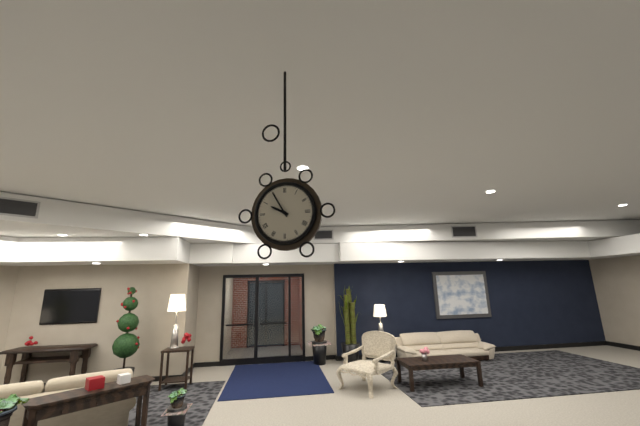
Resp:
9:55
